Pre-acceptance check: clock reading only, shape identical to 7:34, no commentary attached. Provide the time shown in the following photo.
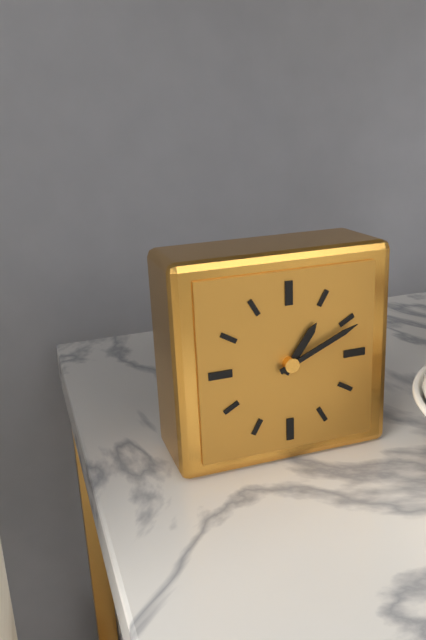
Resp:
1:11
